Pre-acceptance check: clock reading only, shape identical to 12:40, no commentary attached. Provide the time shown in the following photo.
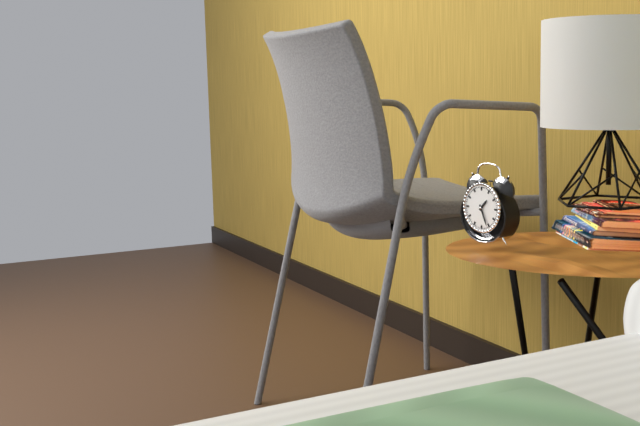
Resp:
1:26
